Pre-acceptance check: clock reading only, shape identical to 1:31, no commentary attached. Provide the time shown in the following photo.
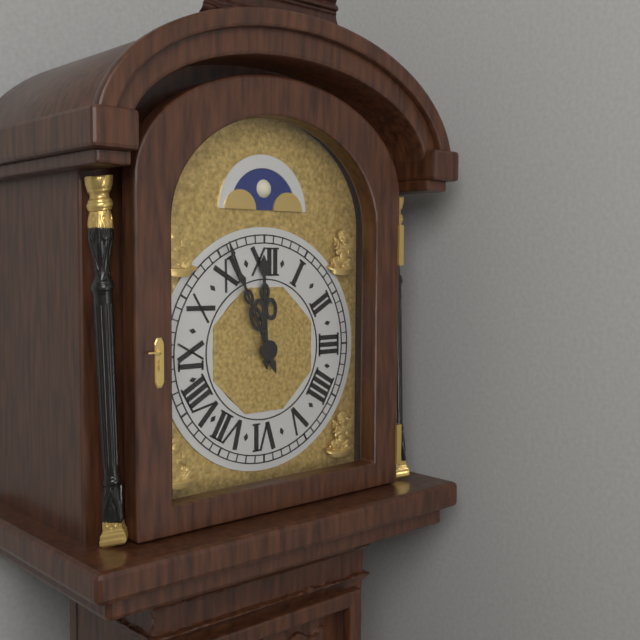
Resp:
11:56
